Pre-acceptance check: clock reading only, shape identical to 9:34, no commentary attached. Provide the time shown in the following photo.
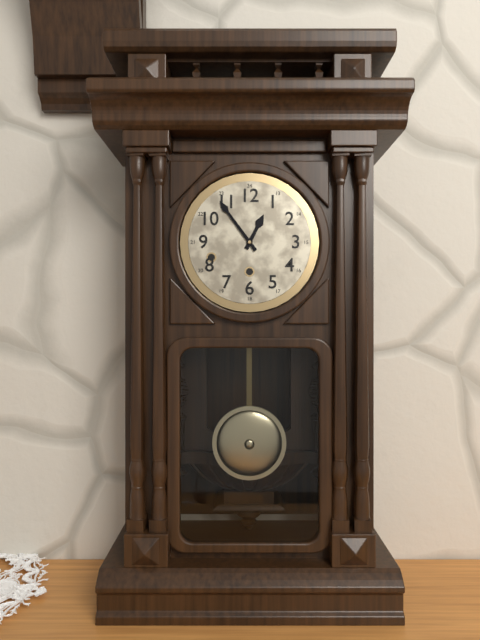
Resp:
12:54
